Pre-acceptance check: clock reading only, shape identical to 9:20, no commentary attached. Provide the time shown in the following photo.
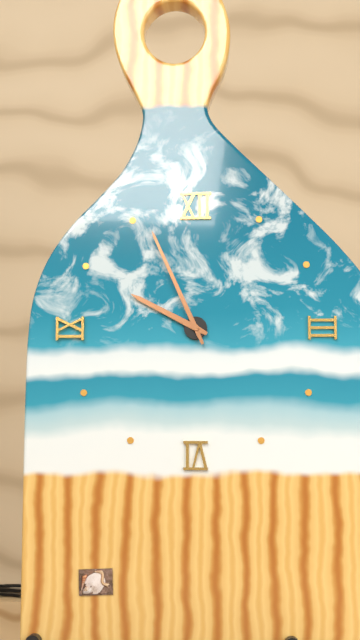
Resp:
9:56
